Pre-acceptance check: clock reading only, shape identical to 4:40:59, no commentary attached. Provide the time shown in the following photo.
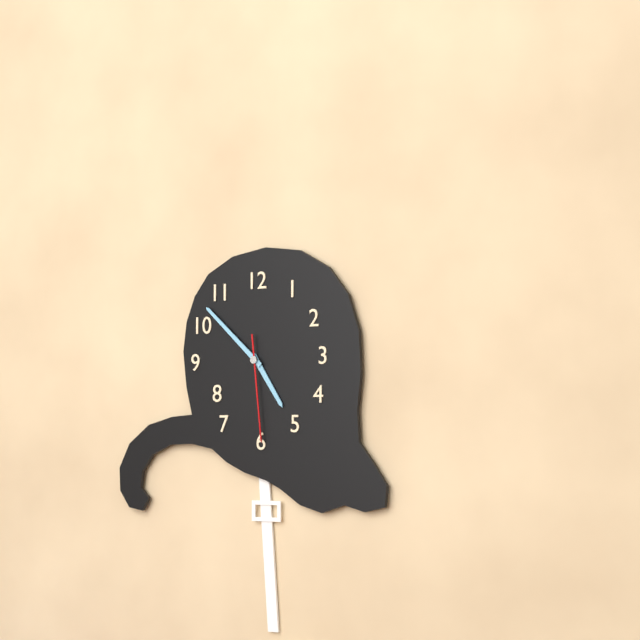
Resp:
4:52:29
